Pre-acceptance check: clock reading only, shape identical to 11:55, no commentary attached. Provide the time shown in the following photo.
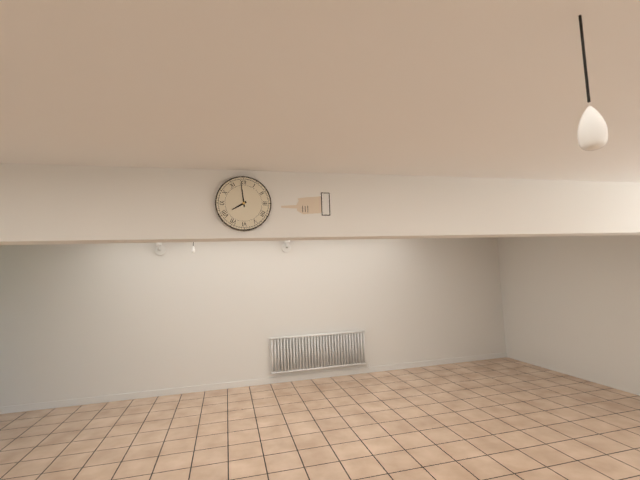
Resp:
7:59
